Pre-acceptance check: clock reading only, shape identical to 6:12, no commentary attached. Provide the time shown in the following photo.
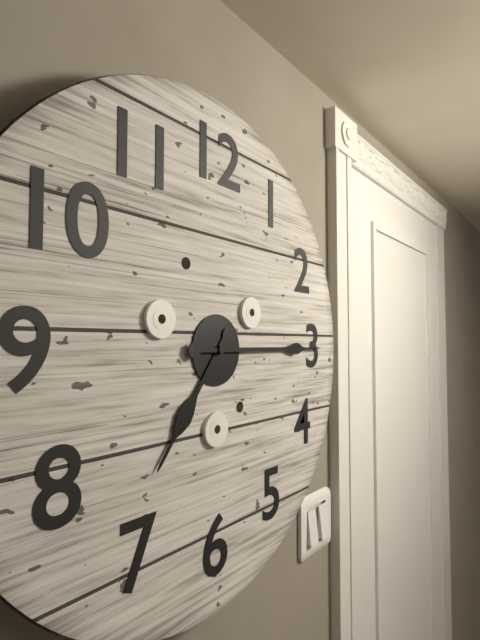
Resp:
7:15
